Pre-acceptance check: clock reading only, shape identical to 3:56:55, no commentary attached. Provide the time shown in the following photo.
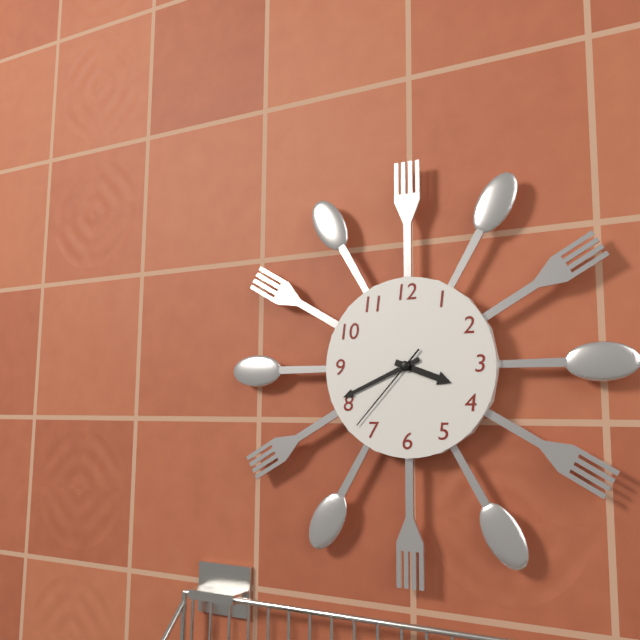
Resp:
3:41:37
